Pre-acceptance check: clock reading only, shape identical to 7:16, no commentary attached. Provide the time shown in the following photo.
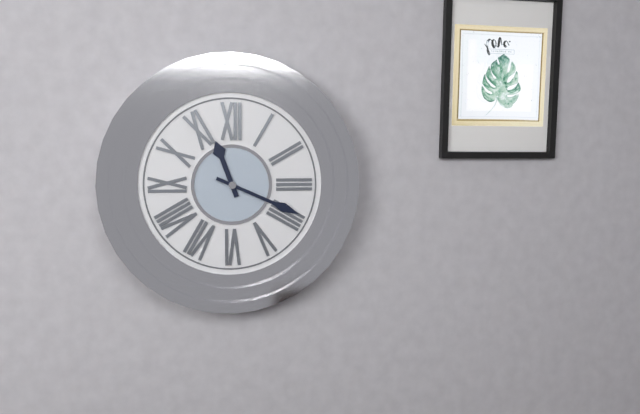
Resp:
11:19
